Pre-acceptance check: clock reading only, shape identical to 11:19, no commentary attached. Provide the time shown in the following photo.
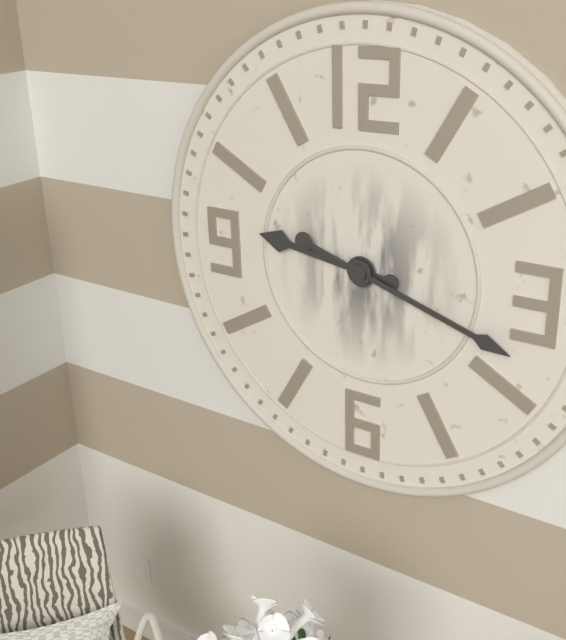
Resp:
9:18
